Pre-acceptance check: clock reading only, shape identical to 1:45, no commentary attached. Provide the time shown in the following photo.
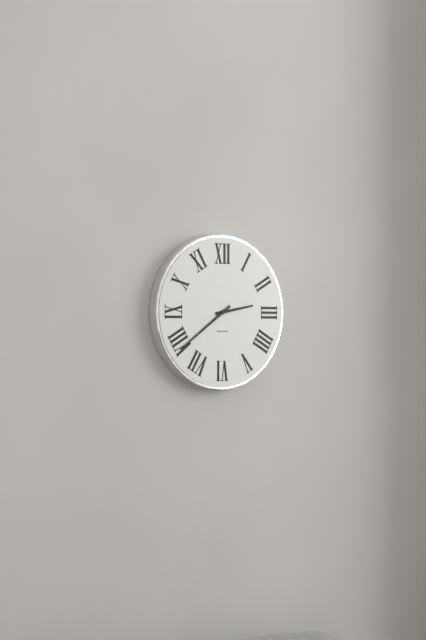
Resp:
2:39
